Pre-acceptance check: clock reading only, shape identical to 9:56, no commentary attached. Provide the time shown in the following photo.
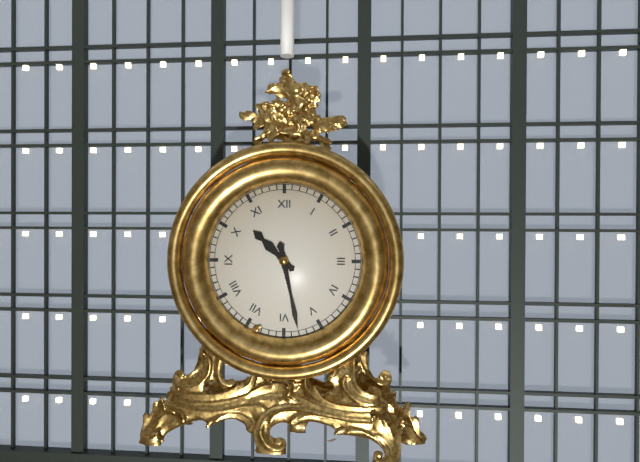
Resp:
10:28
